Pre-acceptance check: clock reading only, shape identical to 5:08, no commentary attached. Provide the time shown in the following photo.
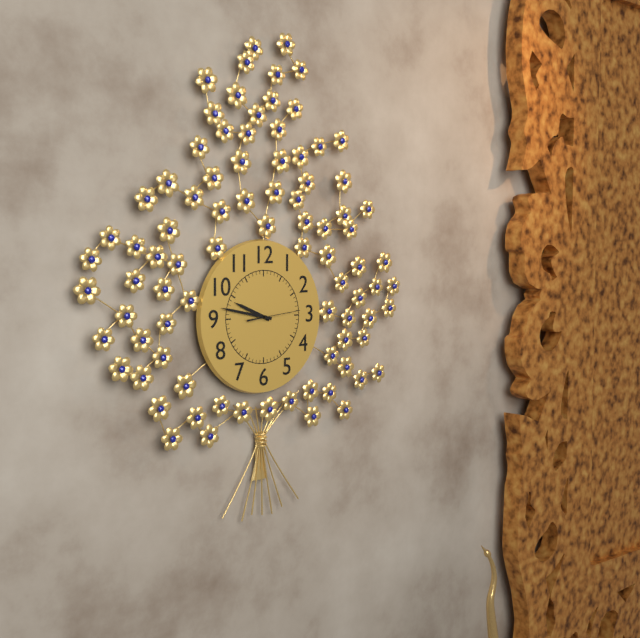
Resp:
9:47
